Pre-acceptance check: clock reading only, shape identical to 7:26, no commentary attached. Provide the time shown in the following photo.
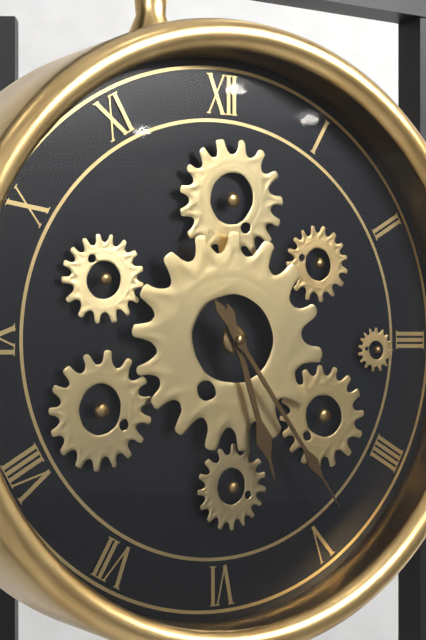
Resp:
5:24
